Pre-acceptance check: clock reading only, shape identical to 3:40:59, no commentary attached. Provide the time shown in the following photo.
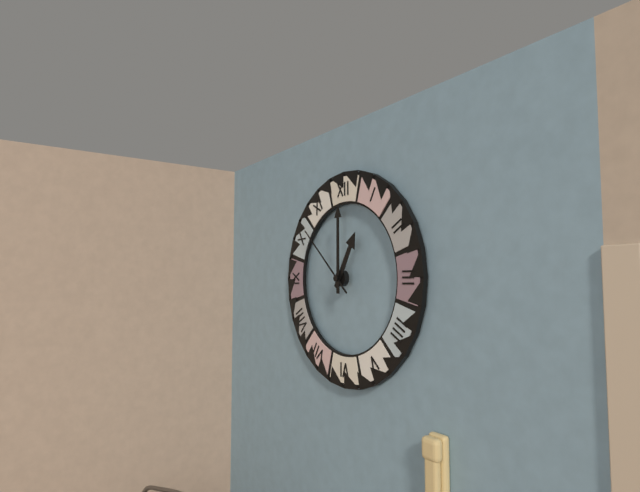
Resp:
1:00:52
